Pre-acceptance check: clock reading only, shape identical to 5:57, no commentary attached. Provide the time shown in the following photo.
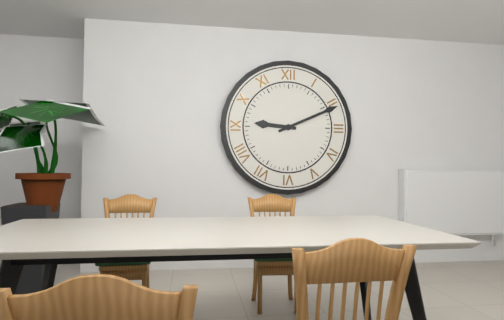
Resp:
9:11
